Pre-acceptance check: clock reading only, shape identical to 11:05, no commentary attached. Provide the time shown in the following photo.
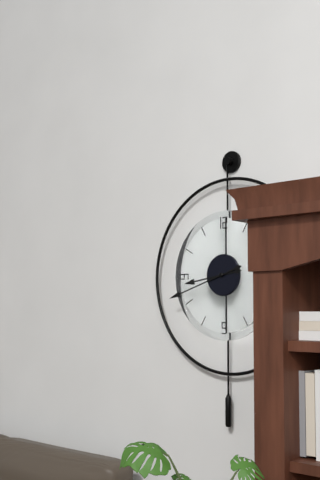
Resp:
8:42
